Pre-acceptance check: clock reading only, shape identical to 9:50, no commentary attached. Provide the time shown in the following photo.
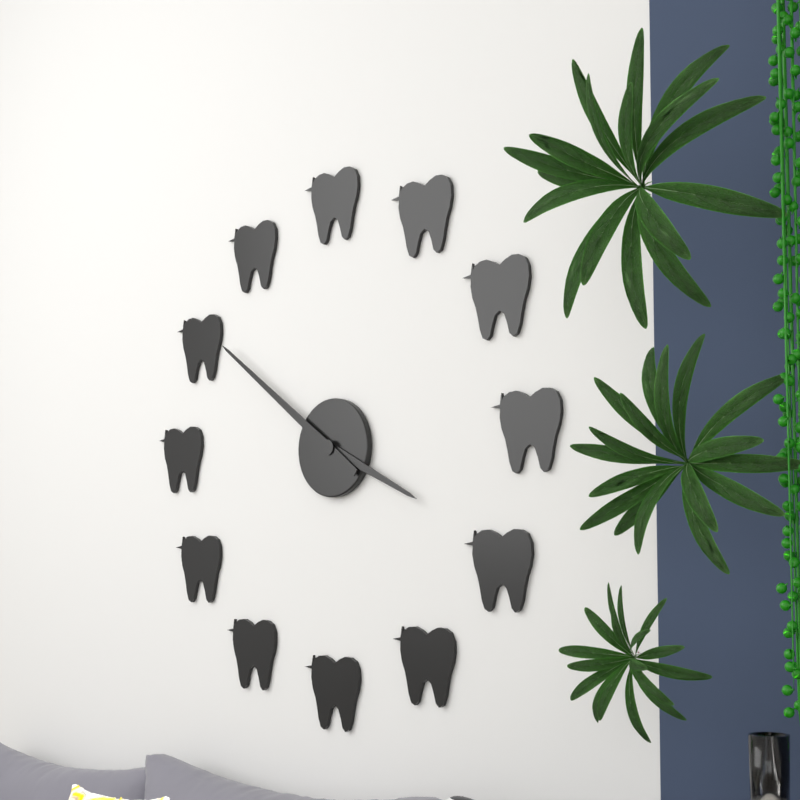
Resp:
3:51
